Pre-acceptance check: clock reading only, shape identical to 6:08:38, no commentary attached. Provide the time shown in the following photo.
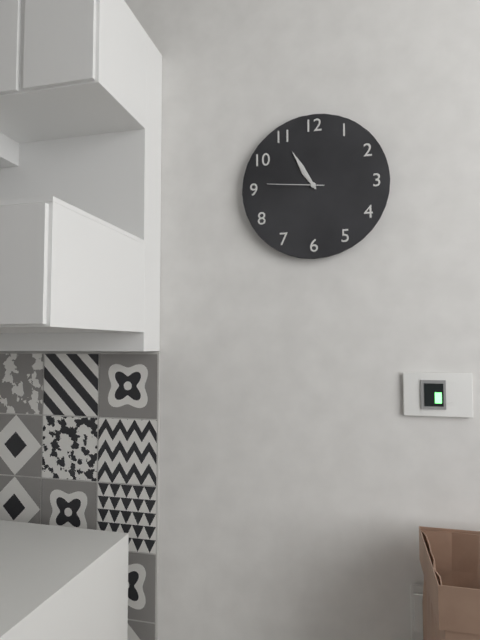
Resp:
10:55:46
